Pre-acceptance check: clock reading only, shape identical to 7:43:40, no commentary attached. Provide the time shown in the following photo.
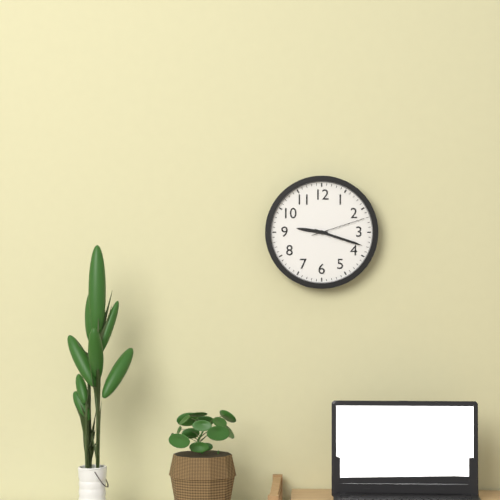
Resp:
9:18:12
